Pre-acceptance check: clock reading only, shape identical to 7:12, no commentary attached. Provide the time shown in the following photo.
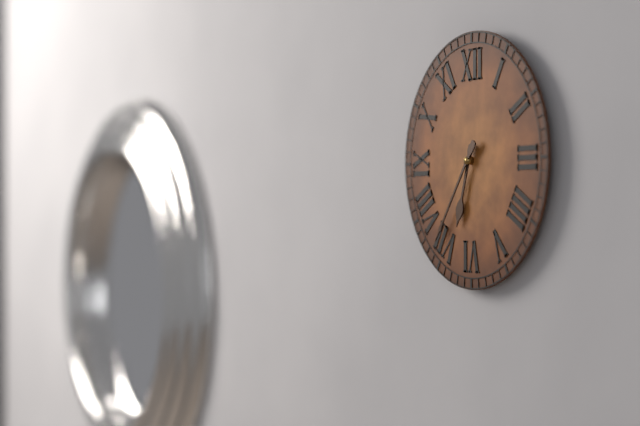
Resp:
6:36
